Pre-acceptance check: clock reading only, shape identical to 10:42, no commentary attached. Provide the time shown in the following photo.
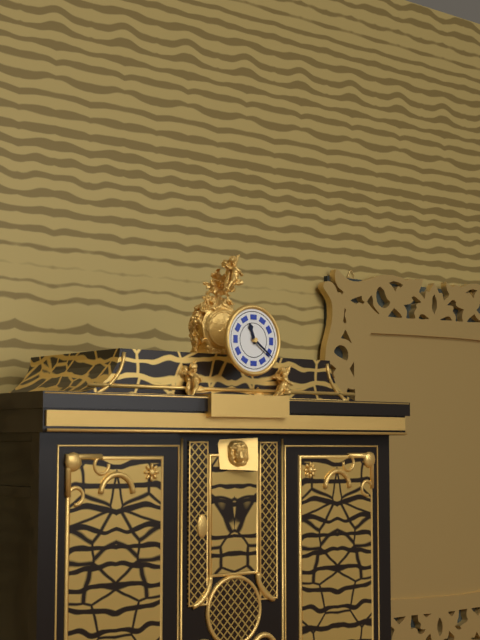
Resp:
11:21
